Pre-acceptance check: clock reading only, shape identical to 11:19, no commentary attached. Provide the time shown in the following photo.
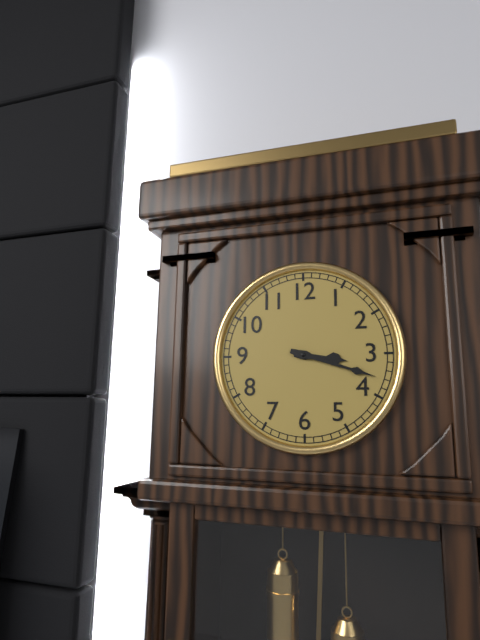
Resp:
3:18
